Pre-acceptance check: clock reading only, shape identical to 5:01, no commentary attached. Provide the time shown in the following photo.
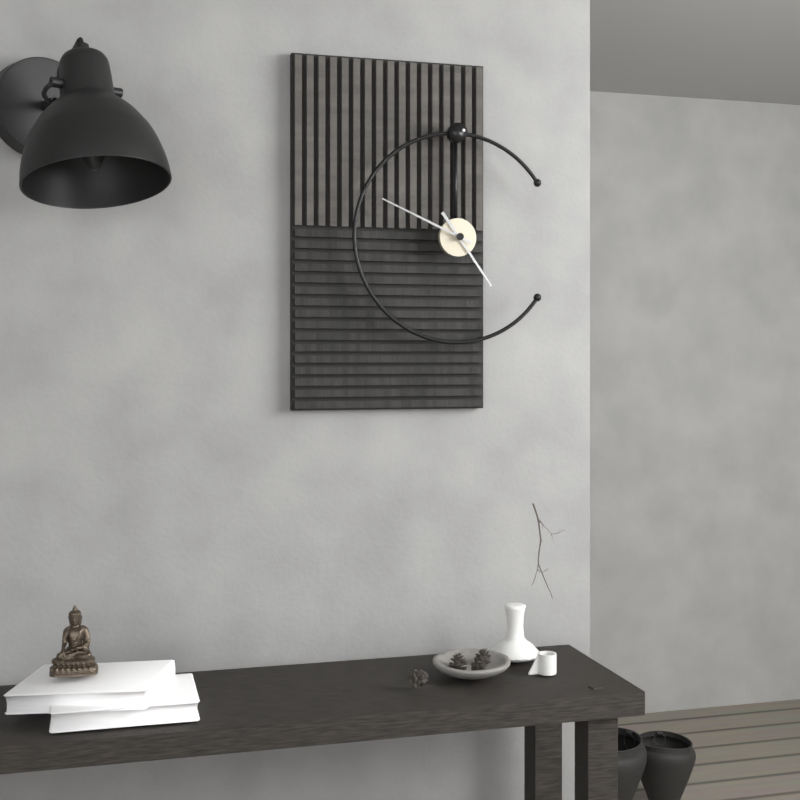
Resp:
4:49
